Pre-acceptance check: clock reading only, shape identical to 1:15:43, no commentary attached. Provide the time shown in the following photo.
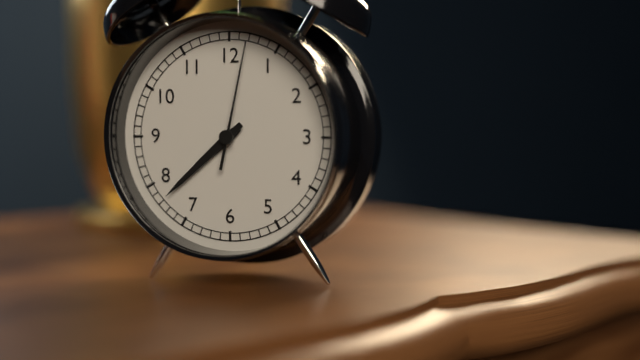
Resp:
7:38:02
